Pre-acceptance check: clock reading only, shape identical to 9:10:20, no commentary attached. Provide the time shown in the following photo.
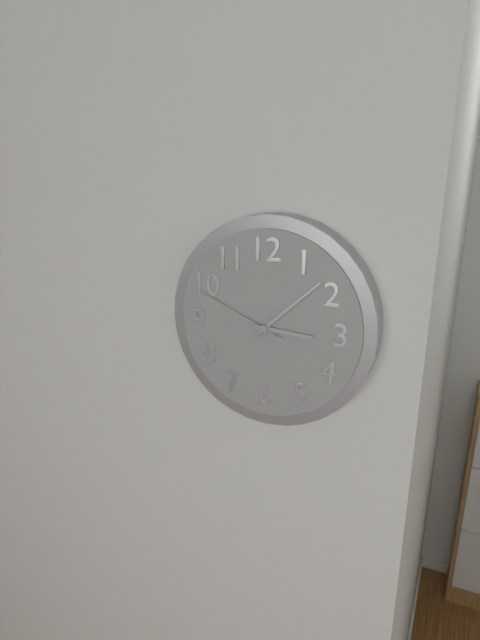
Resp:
3:08:49
